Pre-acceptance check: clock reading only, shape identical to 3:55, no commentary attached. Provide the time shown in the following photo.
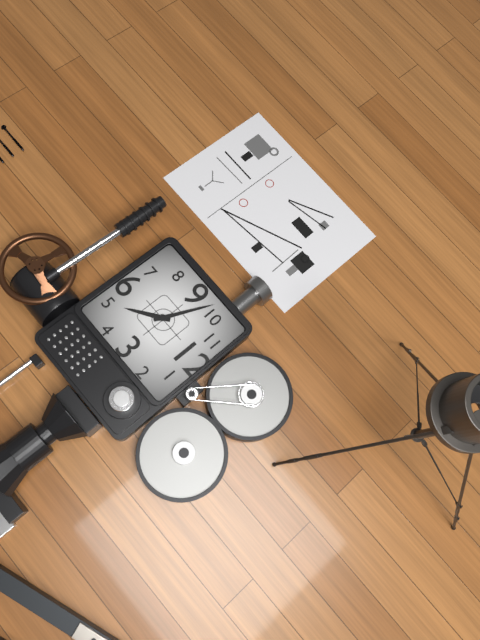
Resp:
4:49
